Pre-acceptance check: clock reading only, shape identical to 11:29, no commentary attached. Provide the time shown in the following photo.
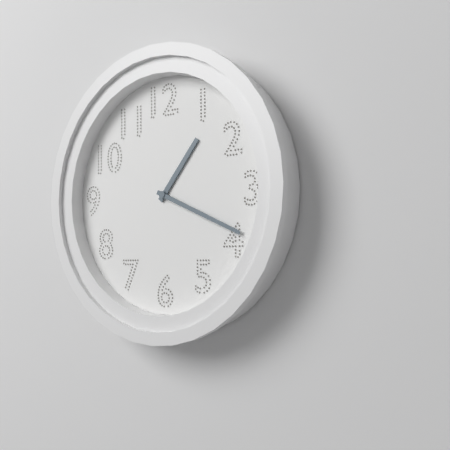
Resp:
1:19
